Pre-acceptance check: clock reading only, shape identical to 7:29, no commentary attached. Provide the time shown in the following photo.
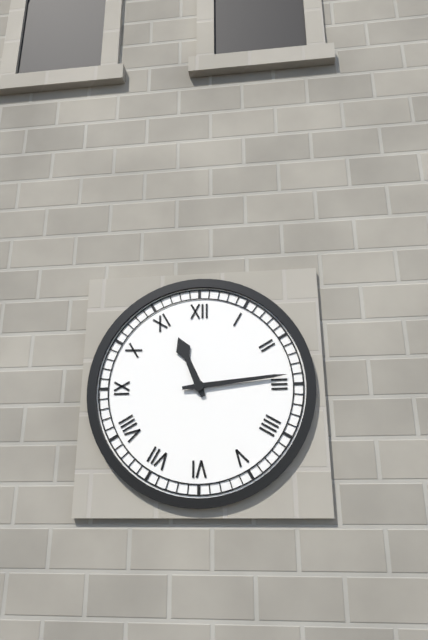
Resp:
11:14
